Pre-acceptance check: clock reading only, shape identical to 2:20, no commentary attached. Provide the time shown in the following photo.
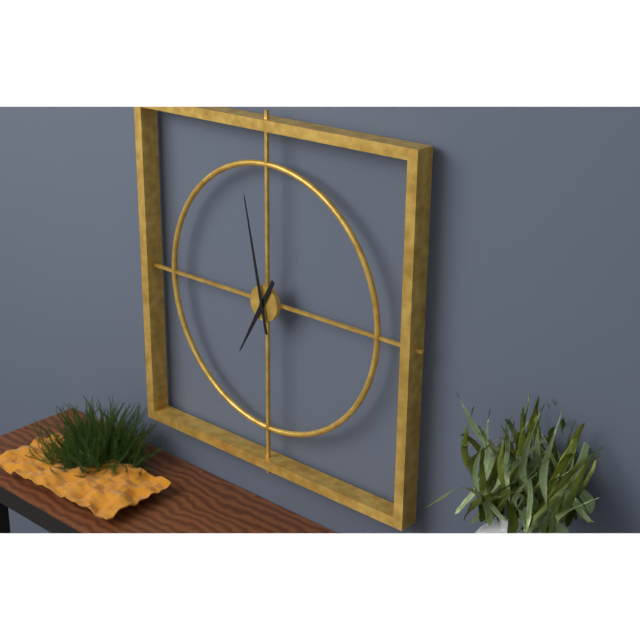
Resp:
6:58
